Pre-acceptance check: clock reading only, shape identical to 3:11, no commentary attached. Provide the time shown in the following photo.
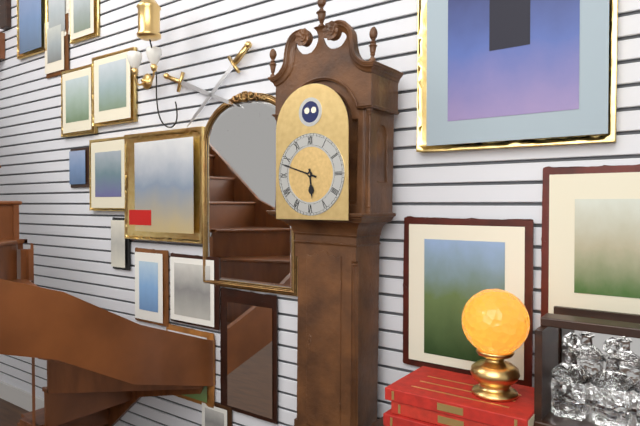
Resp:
5:48
